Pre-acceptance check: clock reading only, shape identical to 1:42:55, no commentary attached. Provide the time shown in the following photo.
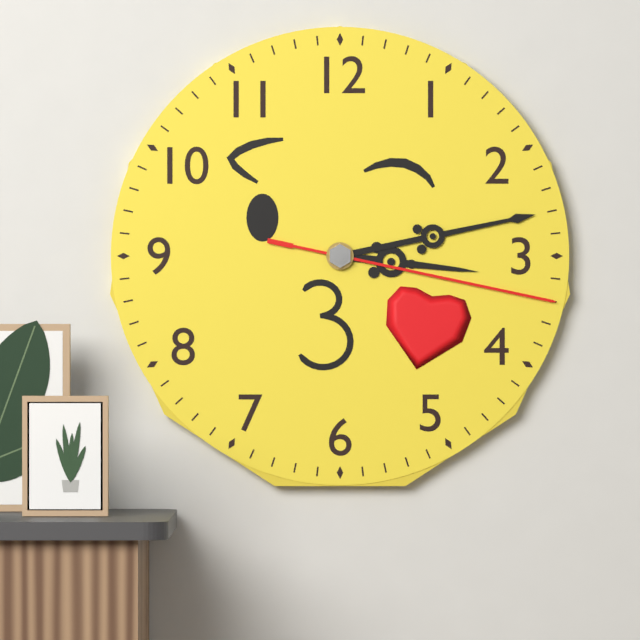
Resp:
3:13:17
